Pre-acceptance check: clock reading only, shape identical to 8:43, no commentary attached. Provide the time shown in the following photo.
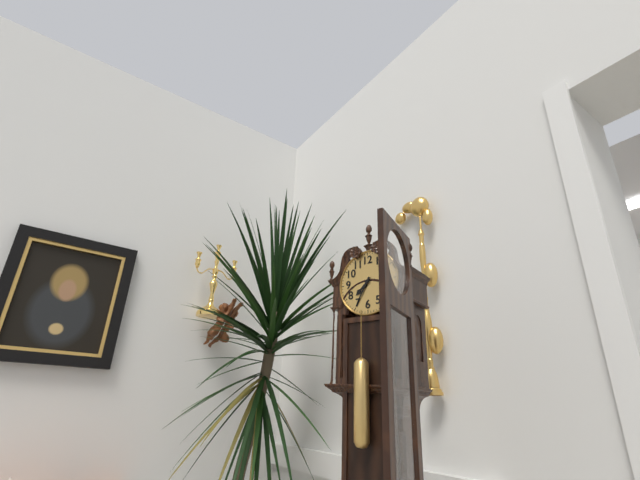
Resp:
7:35
